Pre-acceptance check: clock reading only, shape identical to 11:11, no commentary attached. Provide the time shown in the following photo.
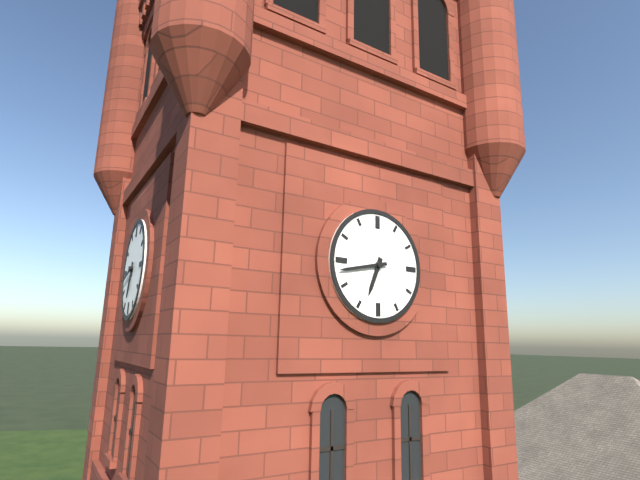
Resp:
6:43
